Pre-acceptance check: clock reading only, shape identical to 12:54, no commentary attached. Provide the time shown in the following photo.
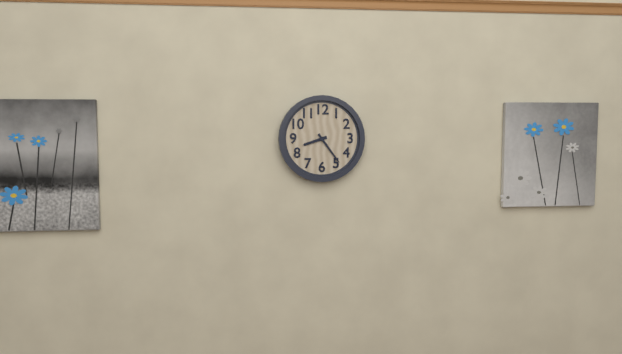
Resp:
8:24
